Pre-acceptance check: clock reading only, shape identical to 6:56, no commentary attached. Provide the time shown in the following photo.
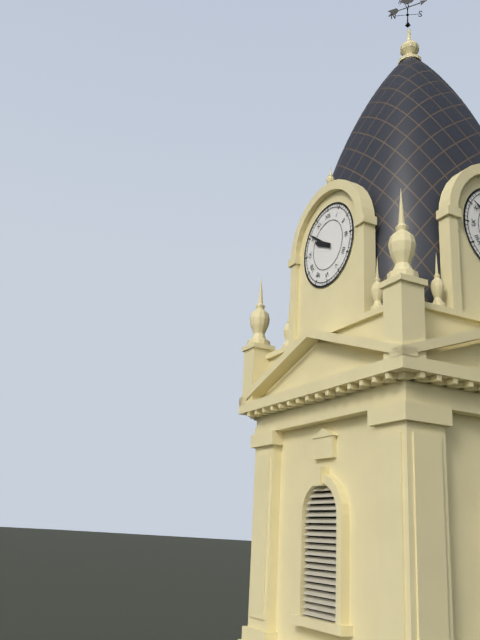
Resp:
9:51
